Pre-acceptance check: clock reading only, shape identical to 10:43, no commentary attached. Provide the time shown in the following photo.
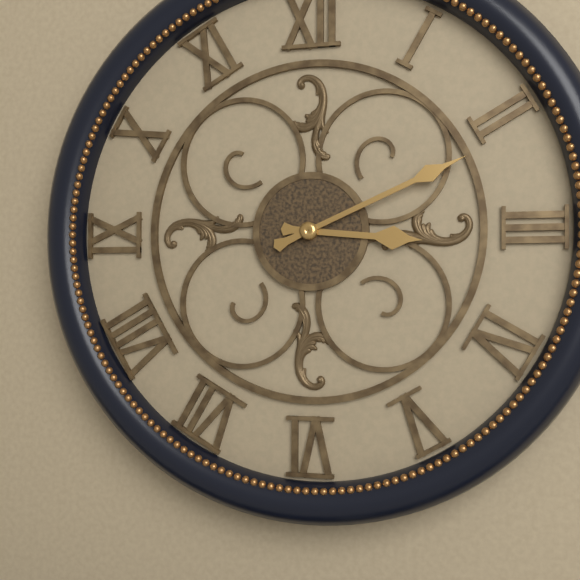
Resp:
3:11
